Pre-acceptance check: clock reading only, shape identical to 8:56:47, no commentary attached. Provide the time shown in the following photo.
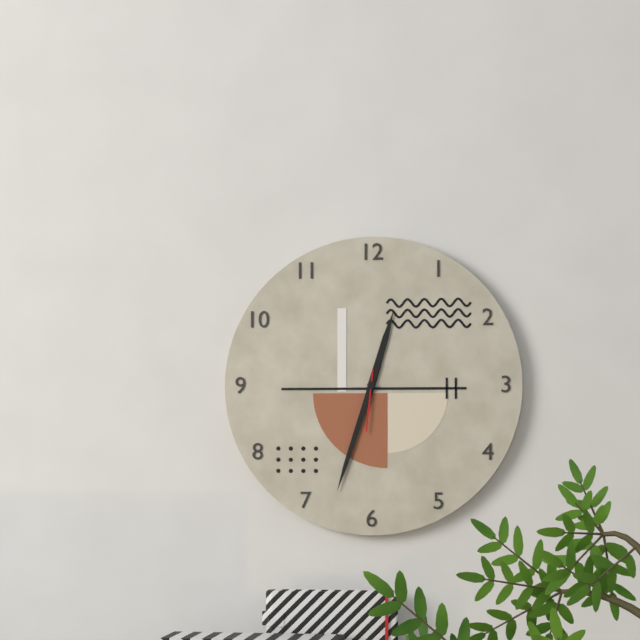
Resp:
12:33:31
